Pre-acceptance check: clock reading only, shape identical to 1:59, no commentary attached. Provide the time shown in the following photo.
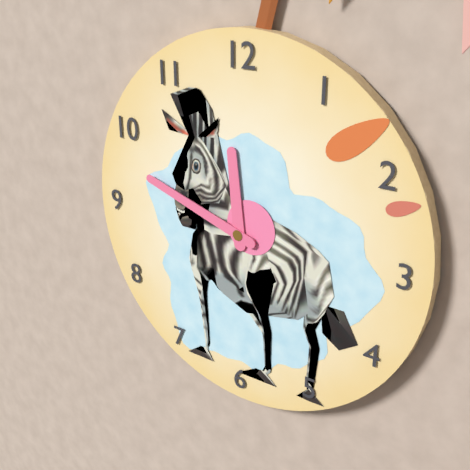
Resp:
11:48
